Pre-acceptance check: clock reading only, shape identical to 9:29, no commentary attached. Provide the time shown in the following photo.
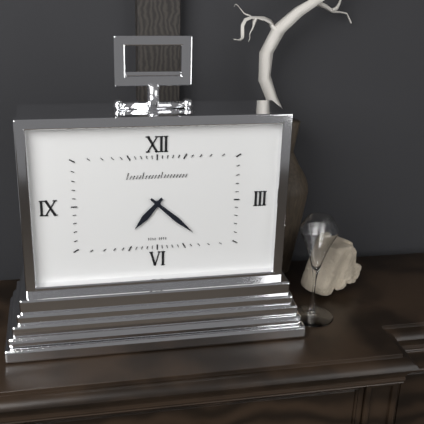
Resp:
7:22
